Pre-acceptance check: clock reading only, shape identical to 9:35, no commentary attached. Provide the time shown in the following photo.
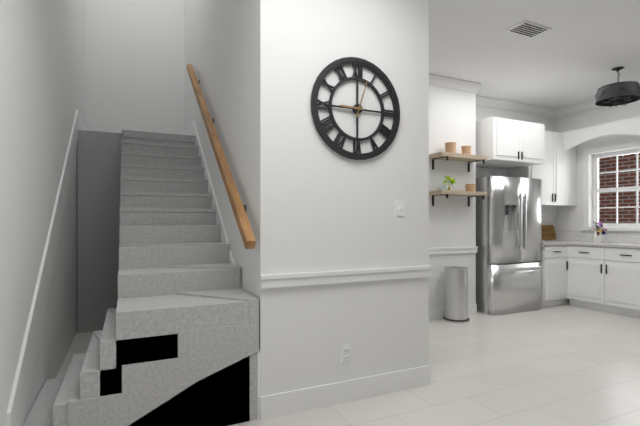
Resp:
9:03
